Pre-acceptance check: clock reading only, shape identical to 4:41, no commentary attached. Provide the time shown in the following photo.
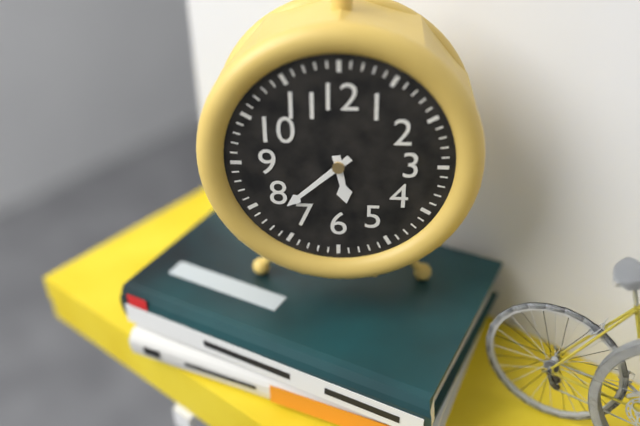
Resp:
5:38
